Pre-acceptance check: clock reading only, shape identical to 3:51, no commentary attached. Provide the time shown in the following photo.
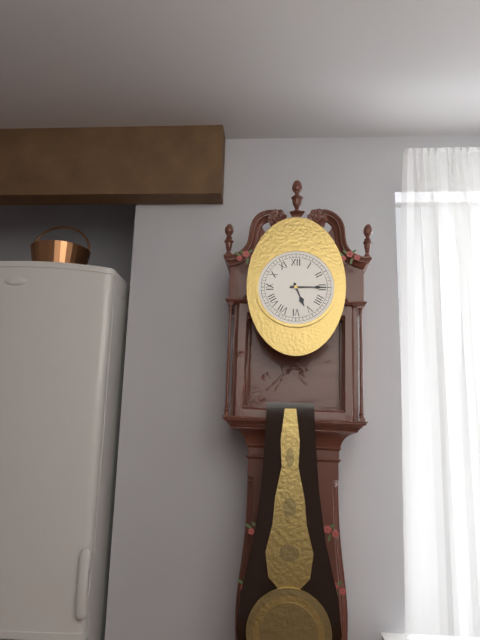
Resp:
5:15
